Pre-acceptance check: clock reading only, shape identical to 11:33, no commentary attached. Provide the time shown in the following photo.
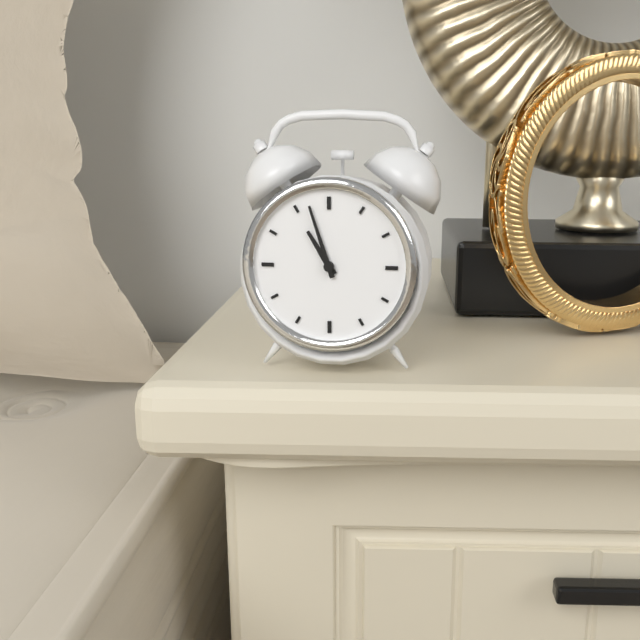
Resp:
10:57
